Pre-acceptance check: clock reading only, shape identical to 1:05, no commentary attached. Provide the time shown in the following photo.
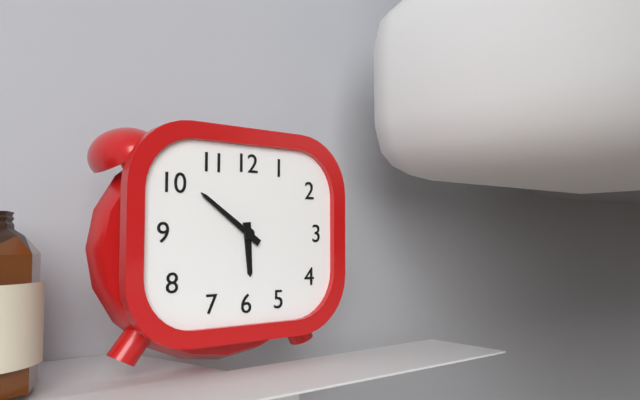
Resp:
5:51
